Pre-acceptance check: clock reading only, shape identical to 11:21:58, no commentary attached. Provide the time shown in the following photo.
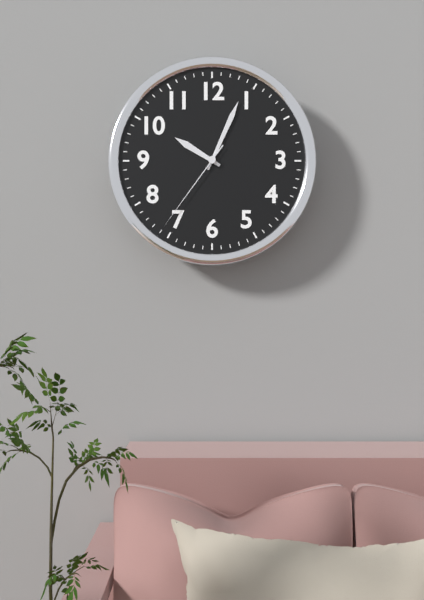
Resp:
10:04:36
